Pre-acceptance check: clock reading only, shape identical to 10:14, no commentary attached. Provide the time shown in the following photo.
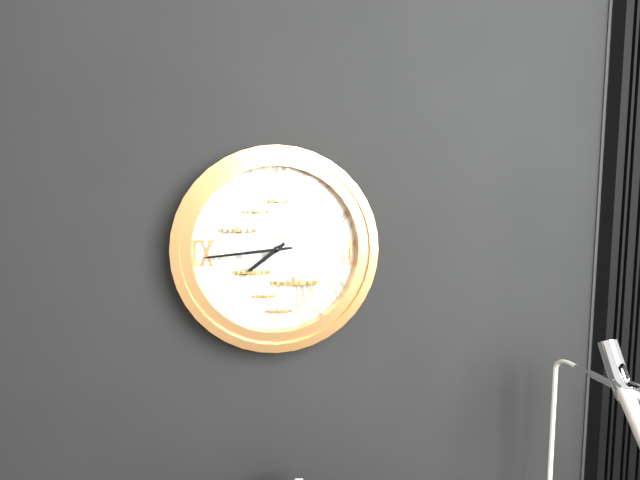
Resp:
7:44
